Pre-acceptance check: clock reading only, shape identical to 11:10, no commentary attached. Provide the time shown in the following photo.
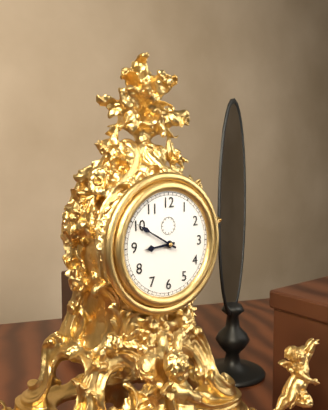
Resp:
8:50
